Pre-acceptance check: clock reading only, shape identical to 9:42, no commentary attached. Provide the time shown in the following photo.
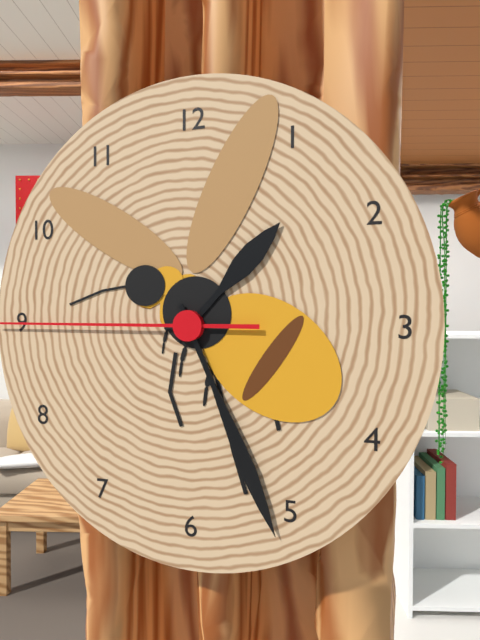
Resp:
1:26
